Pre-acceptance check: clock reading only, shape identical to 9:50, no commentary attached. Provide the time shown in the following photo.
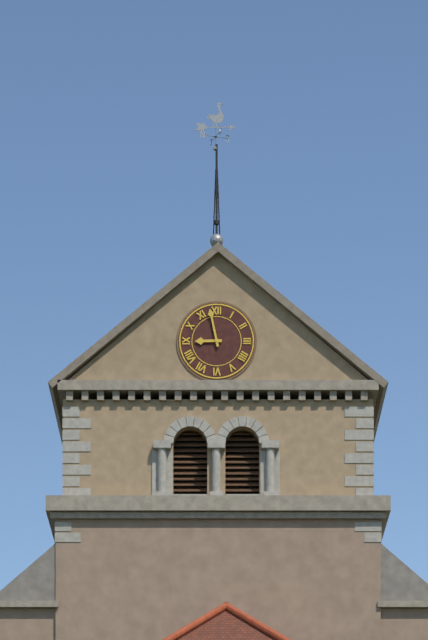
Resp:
8:58
